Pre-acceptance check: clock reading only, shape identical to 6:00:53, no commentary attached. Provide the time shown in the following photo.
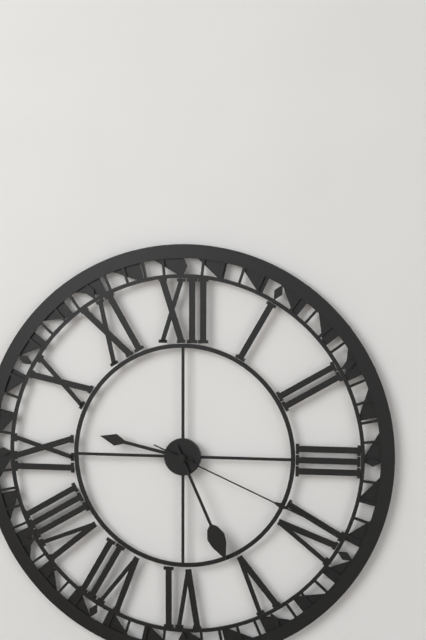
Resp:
9:26:19
